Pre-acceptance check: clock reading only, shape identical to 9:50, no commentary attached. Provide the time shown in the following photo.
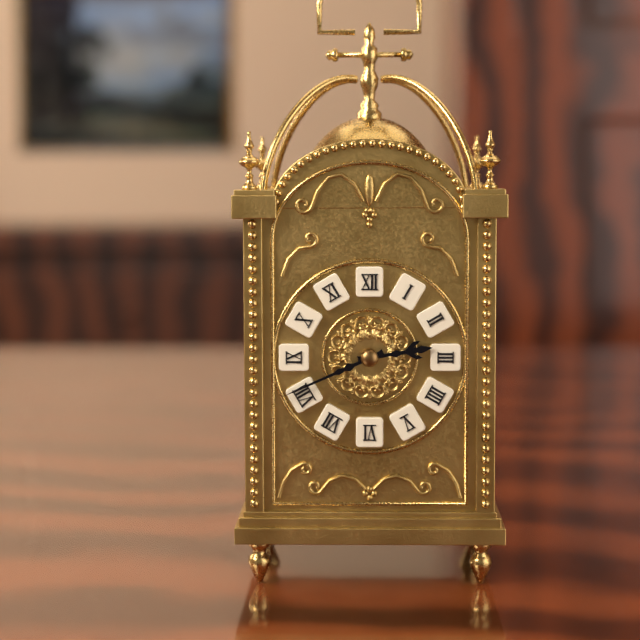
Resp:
2:41
